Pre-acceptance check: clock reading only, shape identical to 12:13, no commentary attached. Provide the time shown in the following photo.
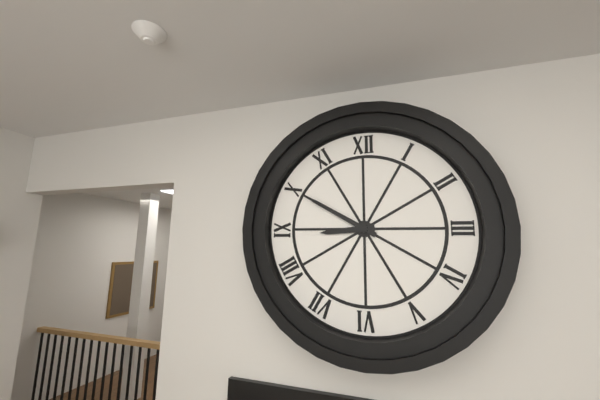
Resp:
8:50
